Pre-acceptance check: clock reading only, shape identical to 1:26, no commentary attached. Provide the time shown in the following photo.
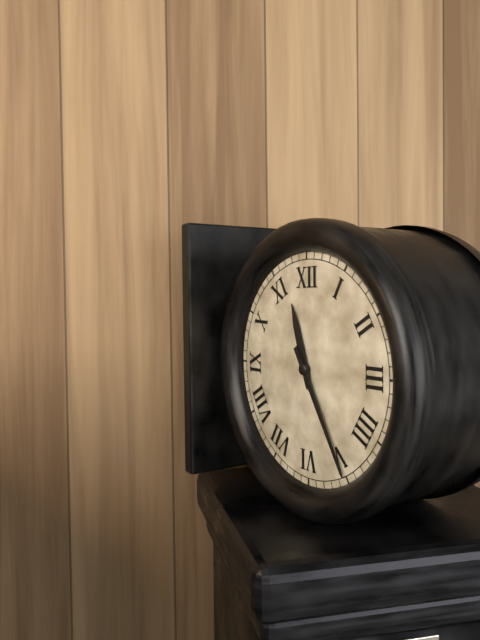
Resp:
11:25
